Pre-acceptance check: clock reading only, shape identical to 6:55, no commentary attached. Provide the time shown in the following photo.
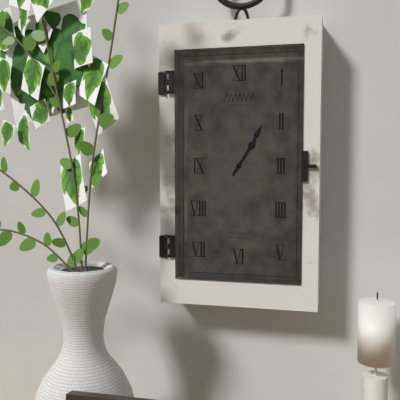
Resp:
1:05
